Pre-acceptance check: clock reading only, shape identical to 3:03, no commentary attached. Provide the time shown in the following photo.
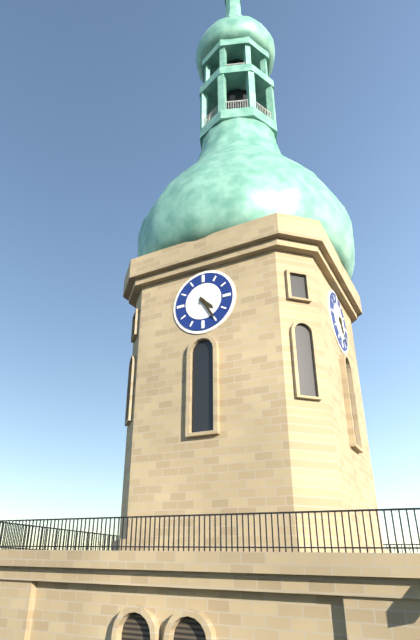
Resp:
4:25
